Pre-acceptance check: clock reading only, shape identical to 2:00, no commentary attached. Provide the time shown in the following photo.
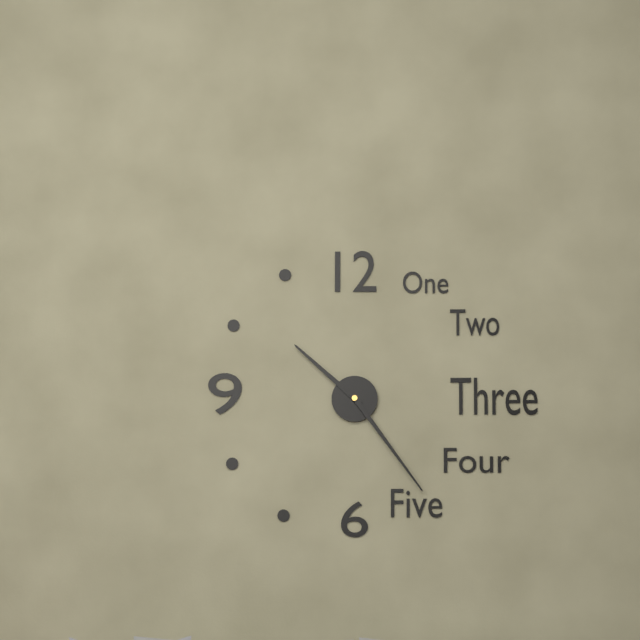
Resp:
10:24
